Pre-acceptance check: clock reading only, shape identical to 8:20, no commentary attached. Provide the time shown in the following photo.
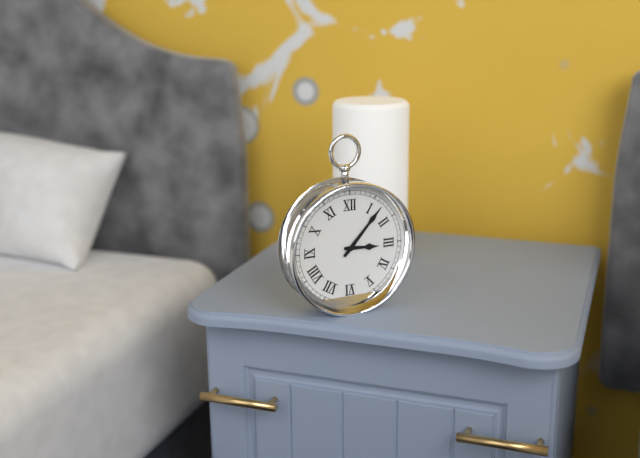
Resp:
3:07
